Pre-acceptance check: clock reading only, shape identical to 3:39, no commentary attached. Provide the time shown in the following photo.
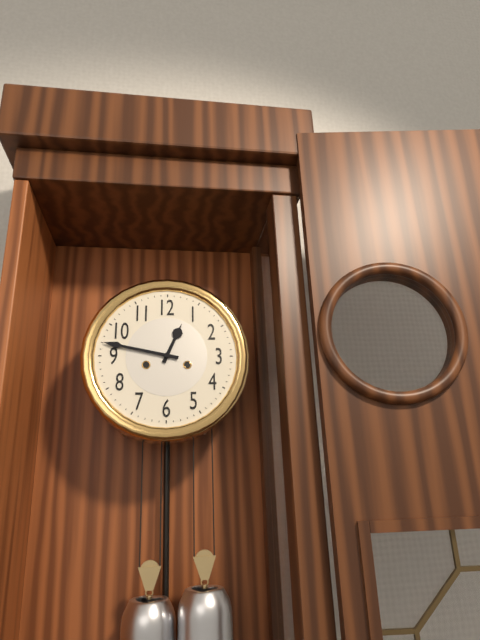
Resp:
12:47
